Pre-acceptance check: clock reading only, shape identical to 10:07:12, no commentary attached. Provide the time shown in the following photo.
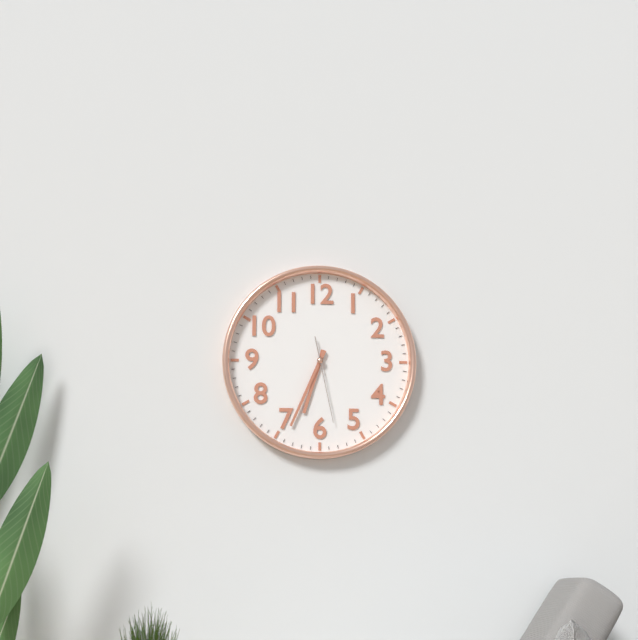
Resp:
6:34:28
